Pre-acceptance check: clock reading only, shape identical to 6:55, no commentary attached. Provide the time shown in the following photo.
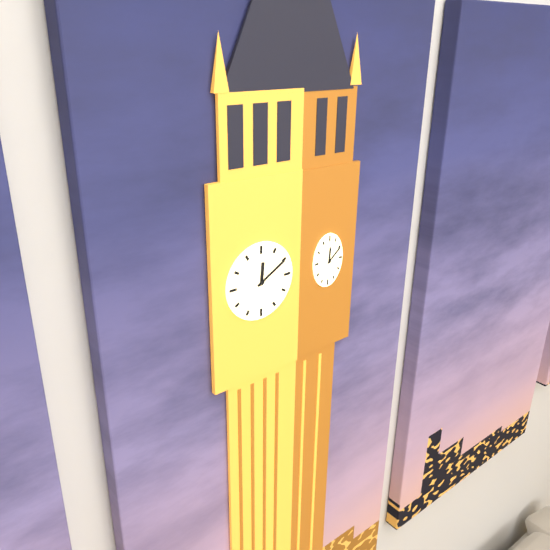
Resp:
12:10
